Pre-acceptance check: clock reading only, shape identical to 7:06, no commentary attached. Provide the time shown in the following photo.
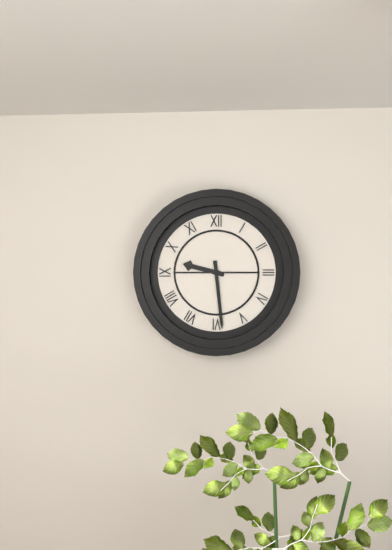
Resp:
9:29
